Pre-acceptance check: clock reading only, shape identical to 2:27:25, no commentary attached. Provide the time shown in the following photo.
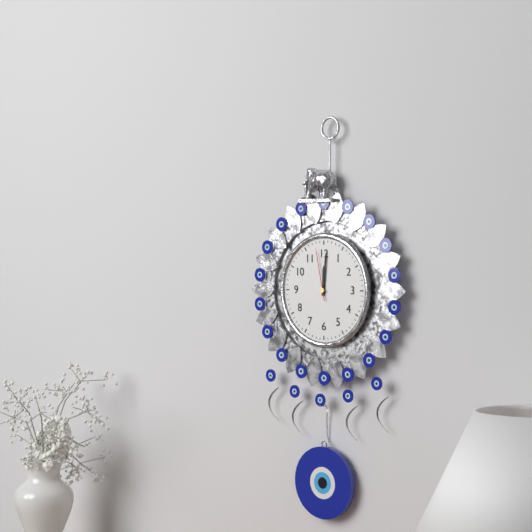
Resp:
12:01:58
